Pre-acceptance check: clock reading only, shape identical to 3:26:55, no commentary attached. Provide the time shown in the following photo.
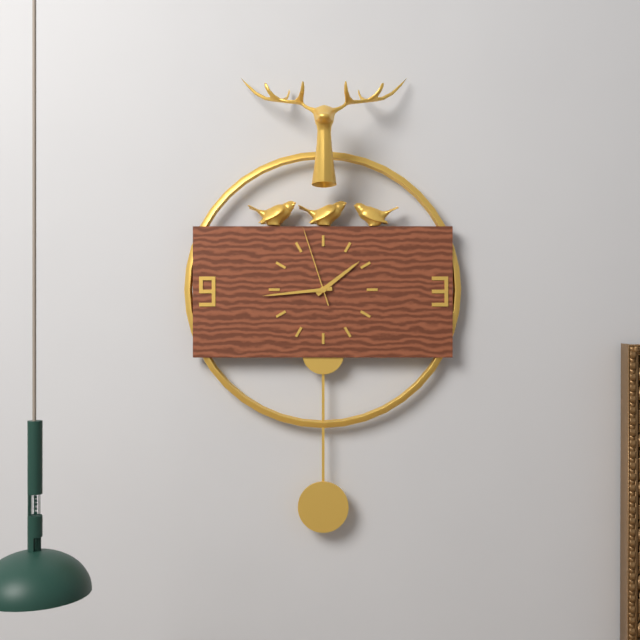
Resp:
1:44:57
